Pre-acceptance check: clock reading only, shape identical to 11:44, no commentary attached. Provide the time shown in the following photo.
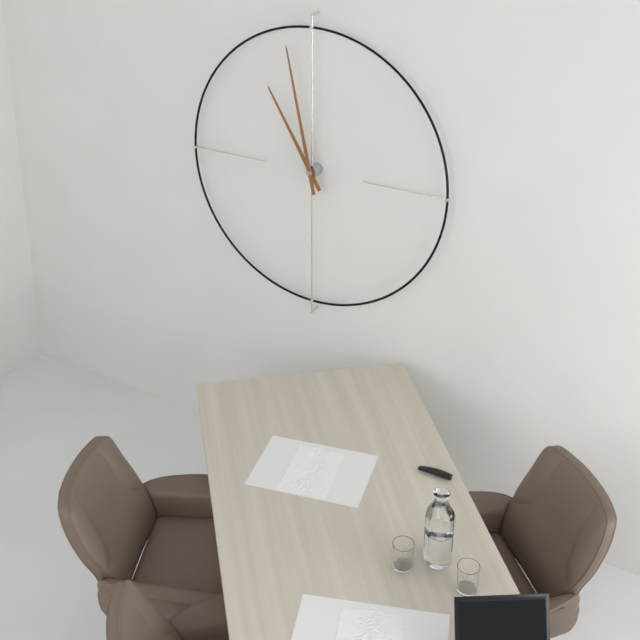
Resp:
10:58
